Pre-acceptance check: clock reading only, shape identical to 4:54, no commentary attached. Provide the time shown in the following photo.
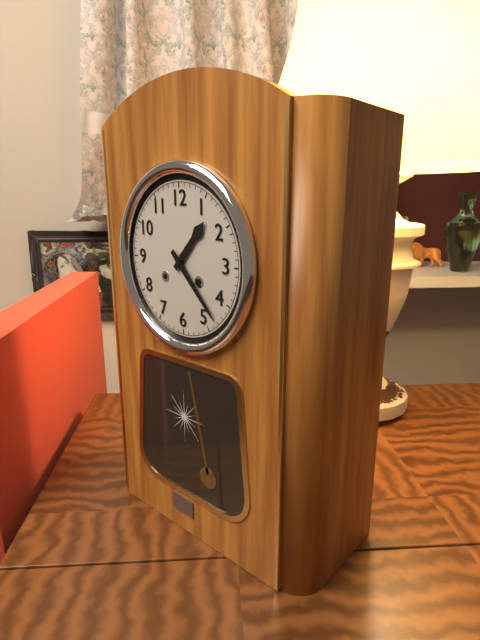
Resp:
1:23
